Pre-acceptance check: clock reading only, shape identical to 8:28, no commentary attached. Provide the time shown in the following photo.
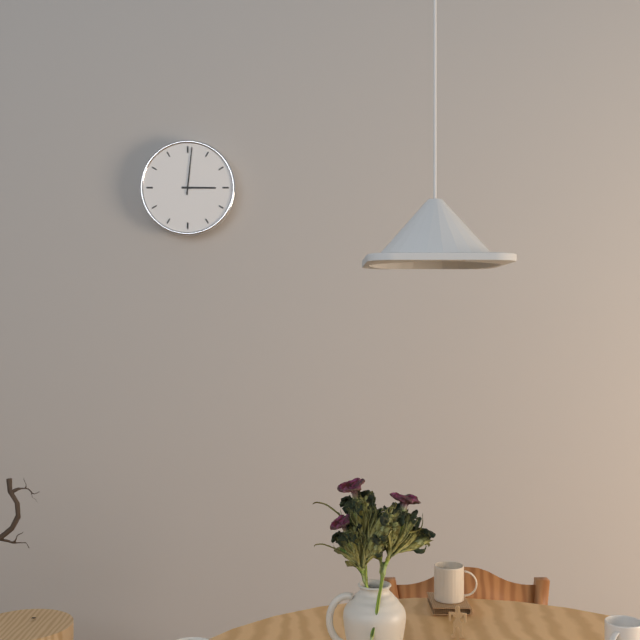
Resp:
3:01
